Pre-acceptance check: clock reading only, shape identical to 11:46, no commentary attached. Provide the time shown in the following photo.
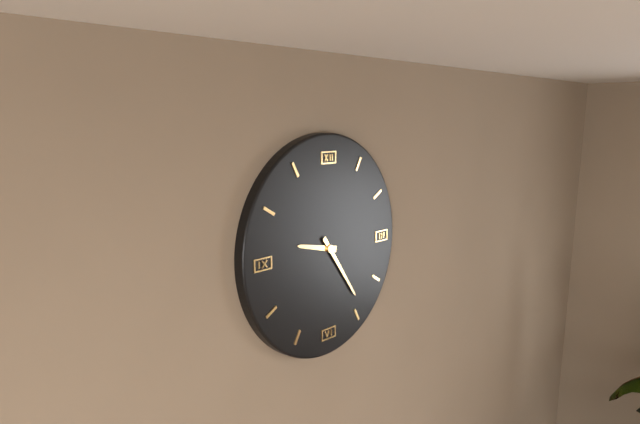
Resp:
9:24
